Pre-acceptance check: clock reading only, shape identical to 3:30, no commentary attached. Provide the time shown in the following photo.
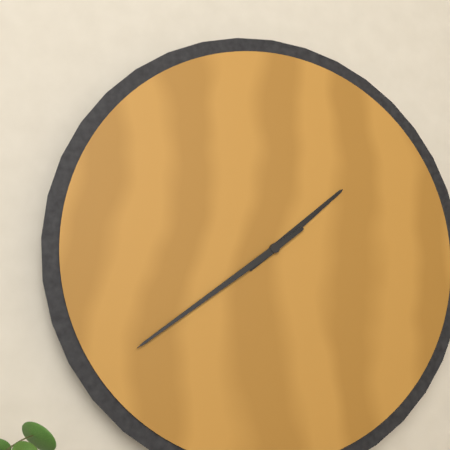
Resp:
1:39
